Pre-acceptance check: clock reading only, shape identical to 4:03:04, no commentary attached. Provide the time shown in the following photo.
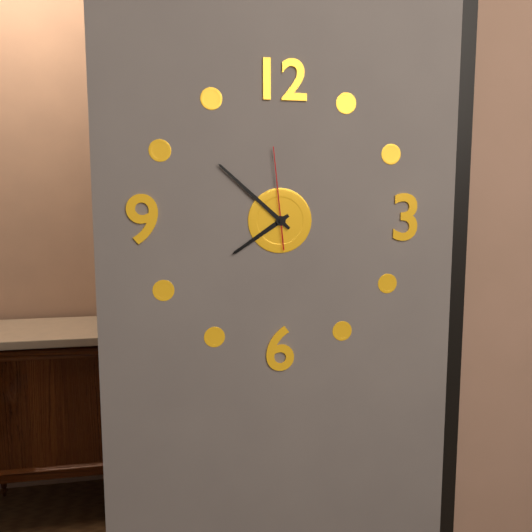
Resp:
7:52:59
